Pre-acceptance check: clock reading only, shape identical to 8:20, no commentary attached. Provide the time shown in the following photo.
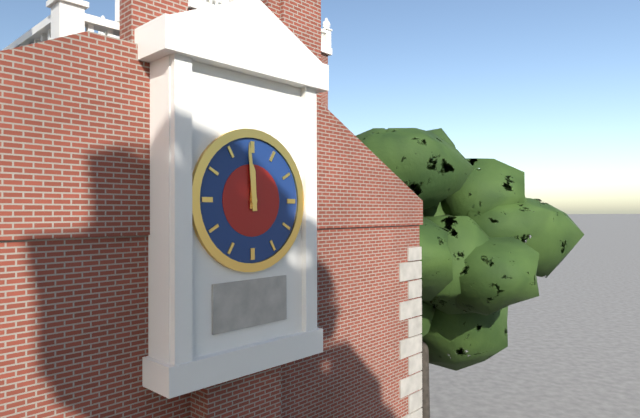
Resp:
11:59
